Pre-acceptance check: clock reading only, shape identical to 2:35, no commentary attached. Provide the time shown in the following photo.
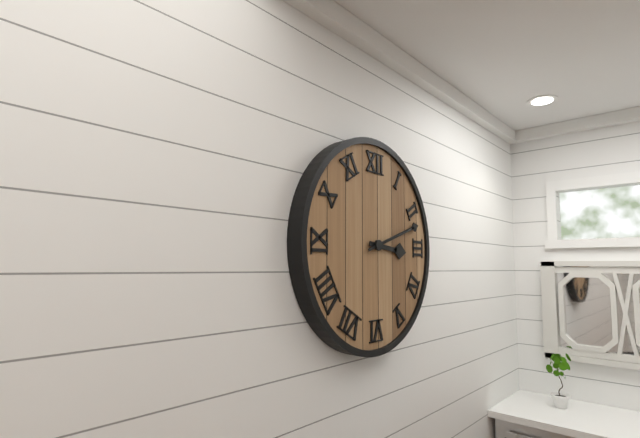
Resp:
3:12
